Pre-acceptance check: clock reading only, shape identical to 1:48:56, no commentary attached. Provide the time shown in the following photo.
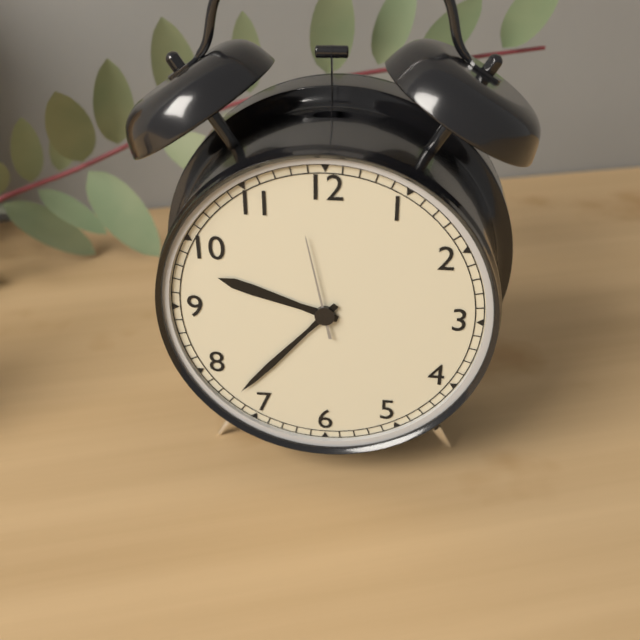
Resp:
9:37:58
